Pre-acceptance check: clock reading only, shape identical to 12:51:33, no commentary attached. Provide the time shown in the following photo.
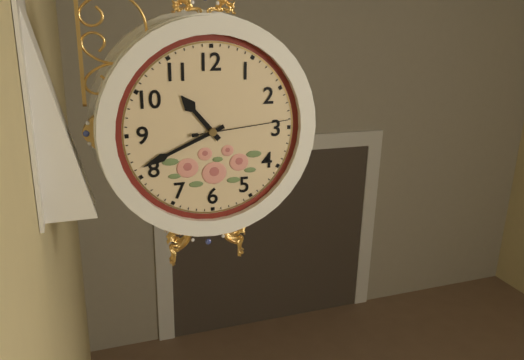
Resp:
10:41:14
